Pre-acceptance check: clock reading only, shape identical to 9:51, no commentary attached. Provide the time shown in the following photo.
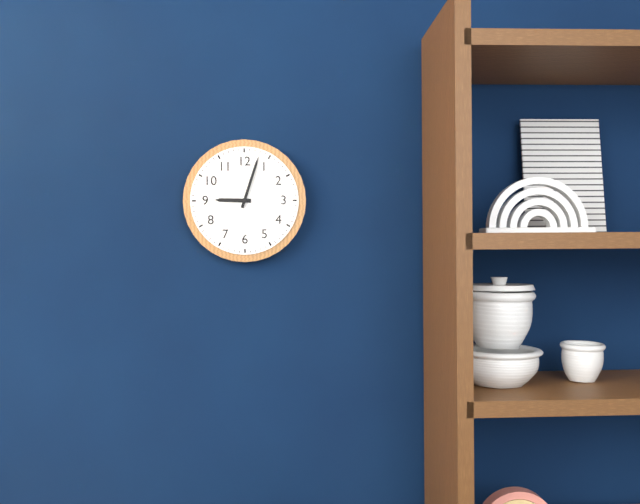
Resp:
9:03
